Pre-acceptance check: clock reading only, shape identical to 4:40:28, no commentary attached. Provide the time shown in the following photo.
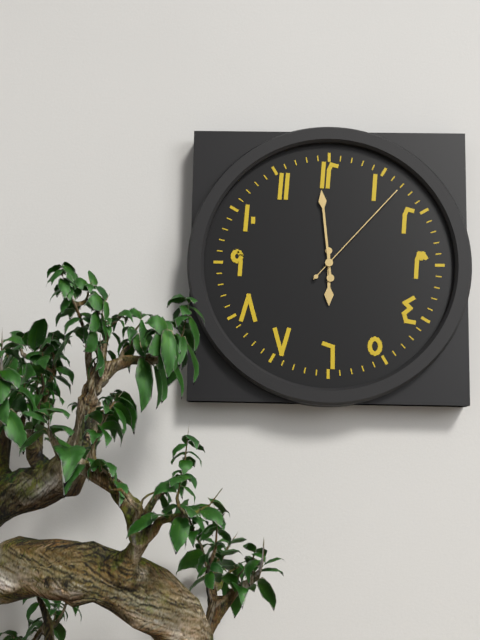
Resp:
5:59:07
